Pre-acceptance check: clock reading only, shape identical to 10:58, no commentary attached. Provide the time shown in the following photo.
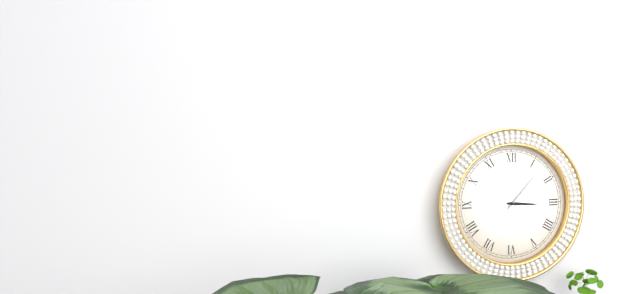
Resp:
3:07
